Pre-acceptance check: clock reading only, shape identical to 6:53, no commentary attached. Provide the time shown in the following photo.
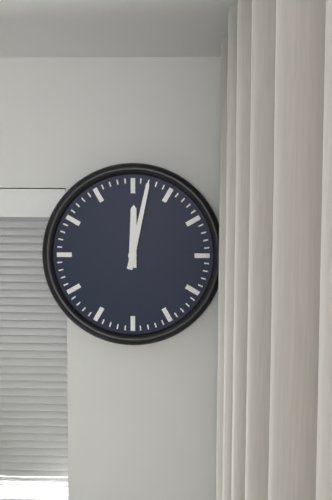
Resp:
12:02
